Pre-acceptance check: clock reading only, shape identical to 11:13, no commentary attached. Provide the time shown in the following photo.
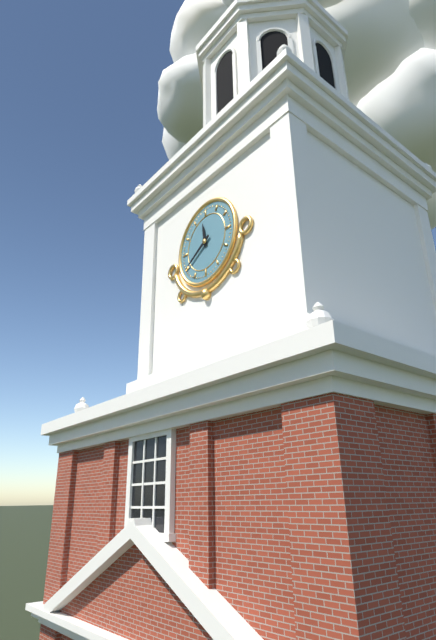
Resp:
11:40
